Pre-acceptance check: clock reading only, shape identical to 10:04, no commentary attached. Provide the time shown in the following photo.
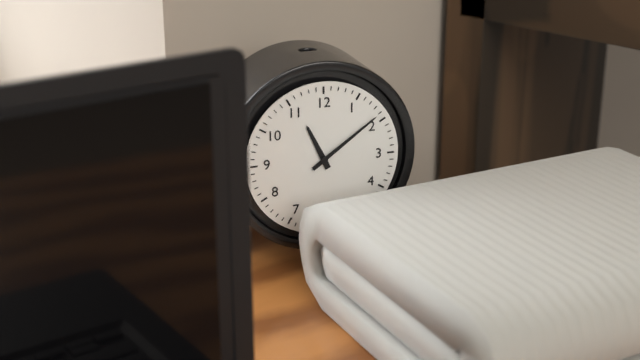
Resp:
11:09
